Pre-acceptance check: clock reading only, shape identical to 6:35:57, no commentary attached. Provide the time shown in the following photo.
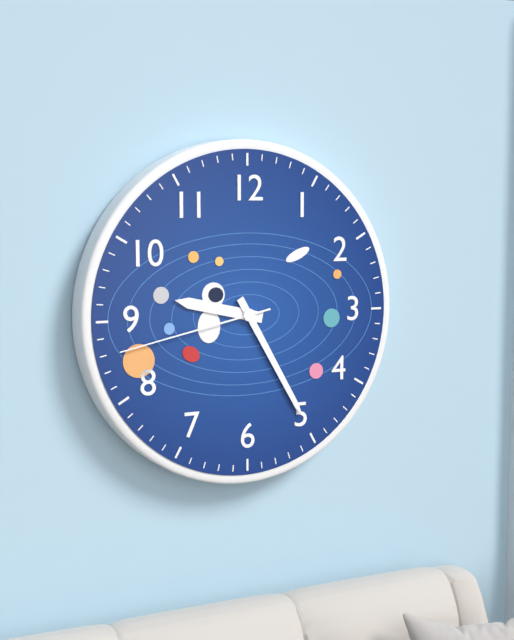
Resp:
9:25:43
